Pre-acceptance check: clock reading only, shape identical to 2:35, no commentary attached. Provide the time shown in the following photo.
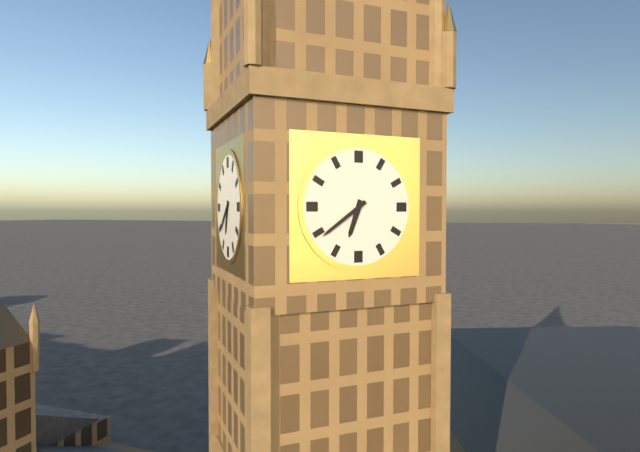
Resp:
6:39
